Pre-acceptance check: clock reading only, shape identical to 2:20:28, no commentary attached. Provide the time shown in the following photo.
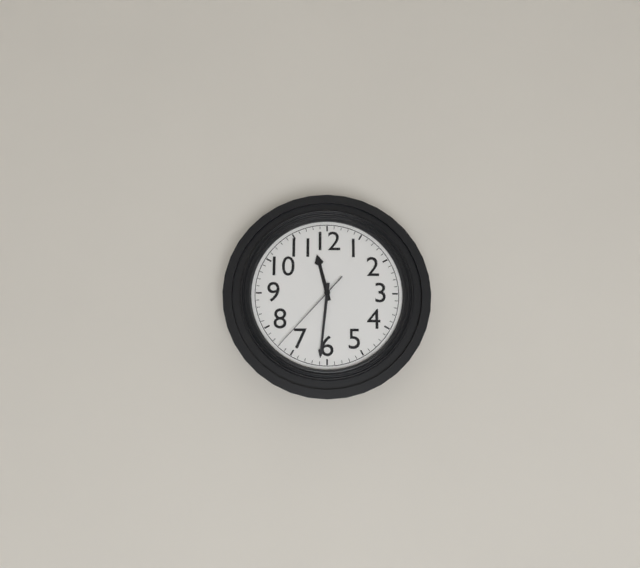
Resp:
11:31:37
